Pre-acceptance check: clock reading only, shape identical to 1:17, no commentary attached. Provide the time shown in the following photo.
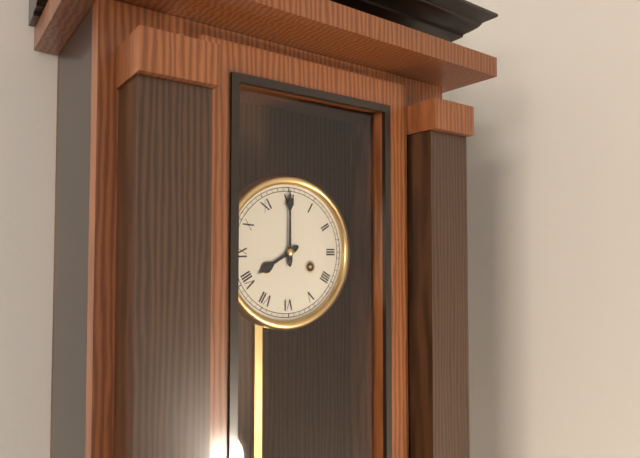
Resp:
8:00
